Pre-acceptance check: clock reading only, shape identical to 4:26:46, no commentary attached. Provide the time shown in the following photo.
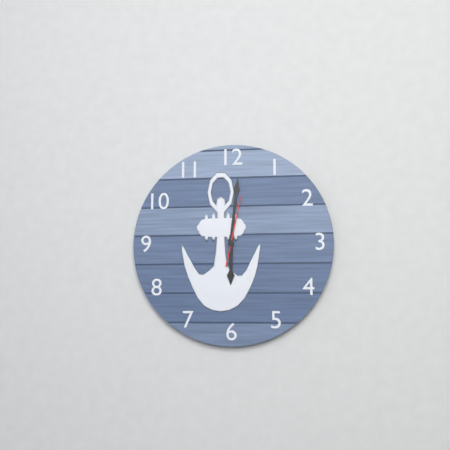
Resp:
6:01:02
